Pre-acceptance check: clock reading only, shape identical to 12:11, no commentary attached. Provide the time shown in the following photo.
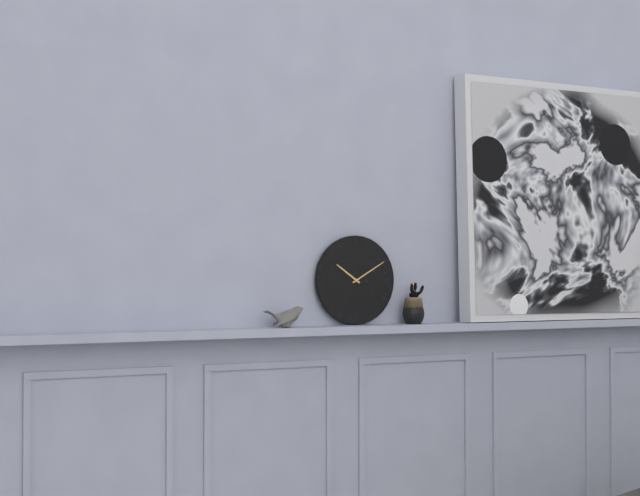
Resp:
10:10
